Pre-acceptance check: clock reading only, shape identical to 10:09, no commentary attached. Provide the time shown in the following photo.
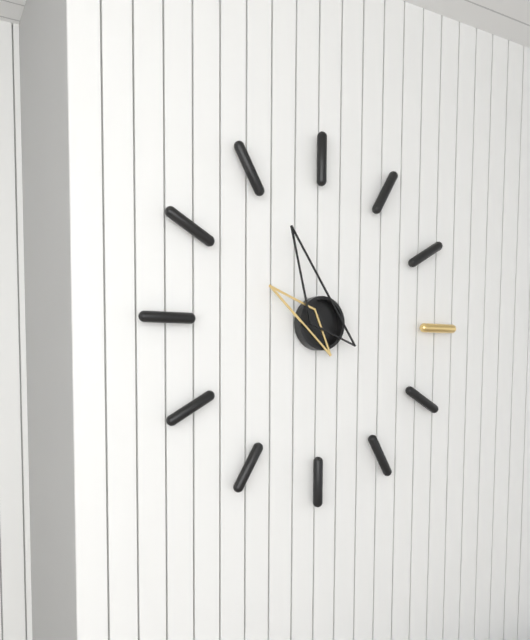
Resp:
9:56
